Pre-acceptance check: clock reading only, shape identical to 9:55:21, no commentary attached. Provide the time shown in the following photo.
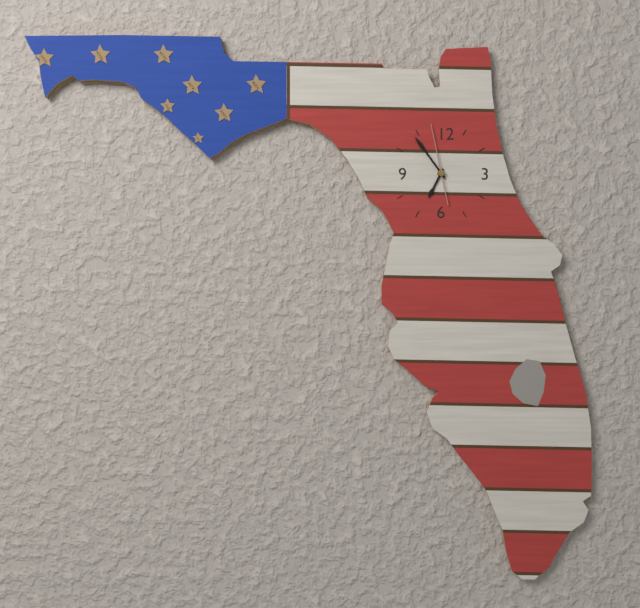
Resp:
6:54:58
